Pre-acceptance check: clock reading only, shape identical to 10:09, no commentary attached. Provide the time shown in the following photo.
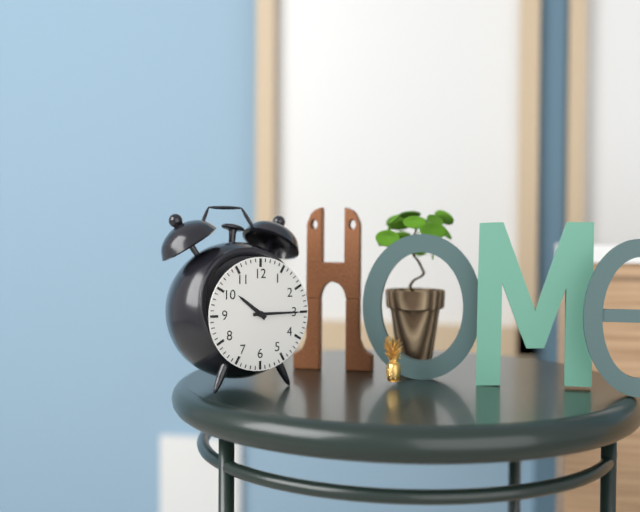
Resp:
10:15
